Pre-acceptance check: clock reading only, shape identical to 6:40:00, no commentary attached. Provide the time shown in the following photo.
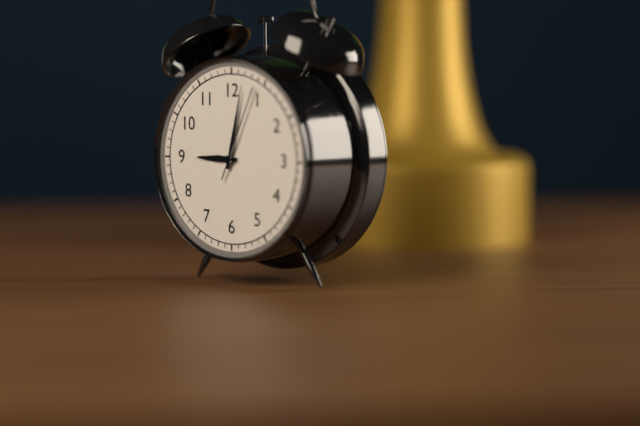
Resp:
9:02:04
